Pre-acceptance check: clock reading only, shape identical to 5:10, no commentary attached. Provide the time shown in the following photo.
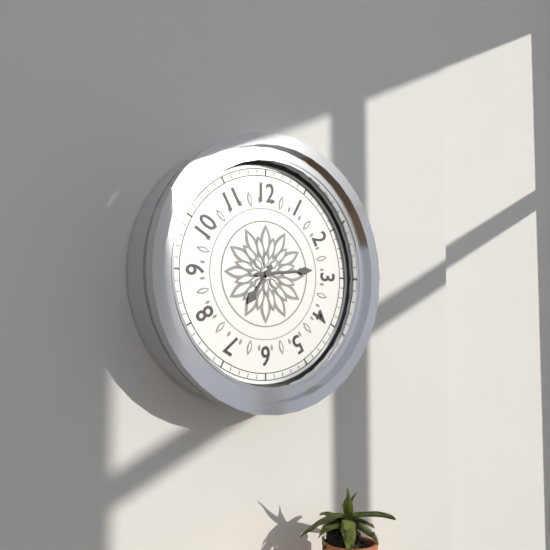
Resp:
7:14
